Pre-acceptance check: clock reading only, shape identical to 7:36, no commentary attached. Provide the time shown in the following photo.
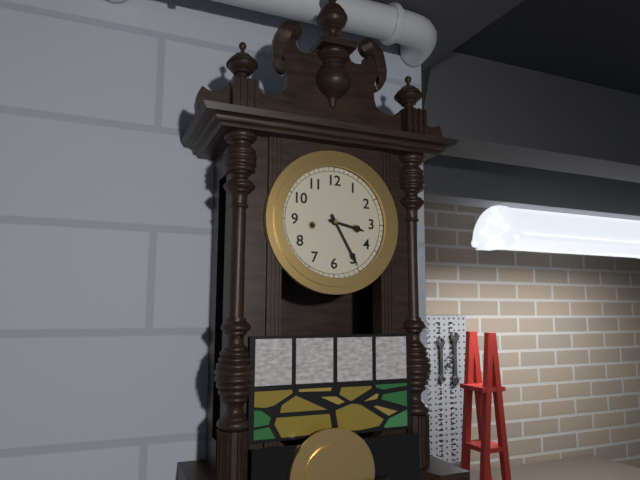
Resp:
3:25
